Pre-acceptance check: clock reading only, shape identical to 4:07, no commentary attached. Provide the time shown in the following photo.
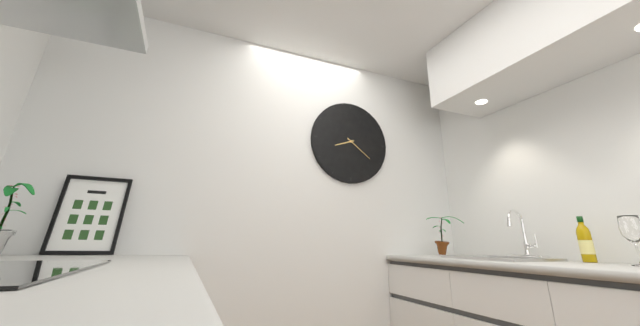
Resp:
8:21
